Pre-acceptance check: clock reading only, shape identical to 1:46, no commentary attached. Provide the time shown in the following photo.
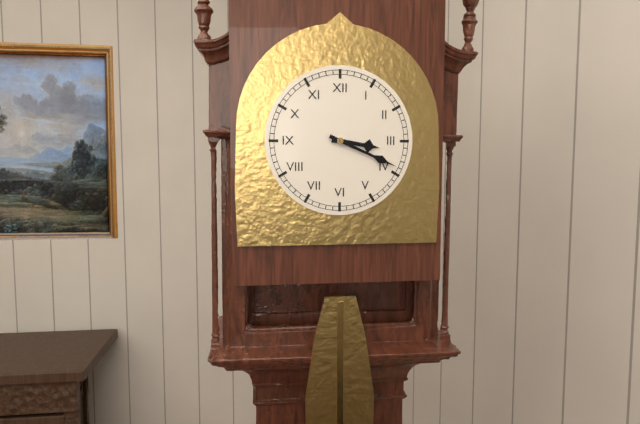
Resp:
3:19
